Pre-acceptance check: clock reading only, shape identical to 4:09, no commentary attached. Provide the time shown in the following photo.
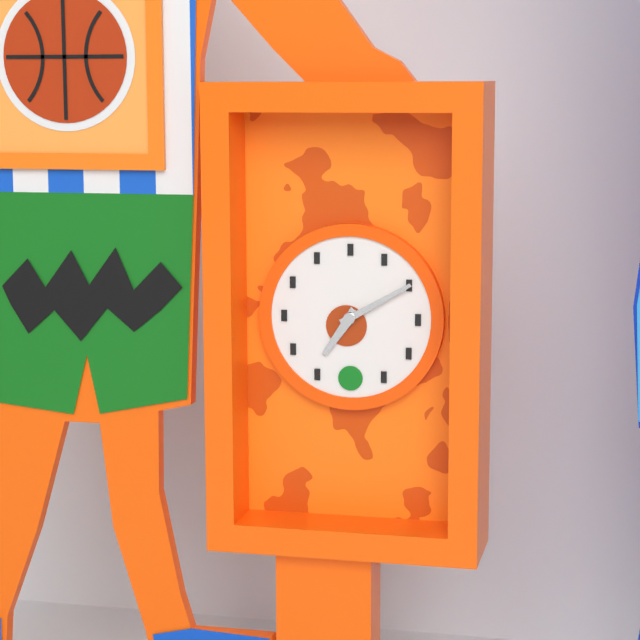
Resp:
7:10
